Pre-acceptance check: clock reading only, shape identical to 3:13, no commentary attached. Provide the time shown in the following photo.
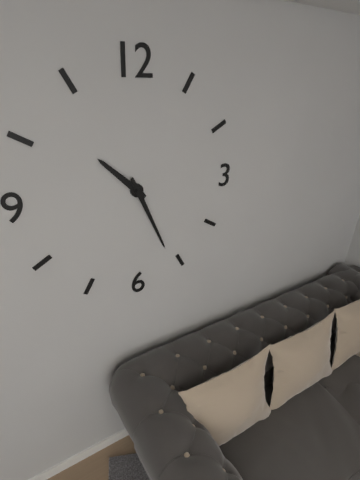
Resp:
10:26
